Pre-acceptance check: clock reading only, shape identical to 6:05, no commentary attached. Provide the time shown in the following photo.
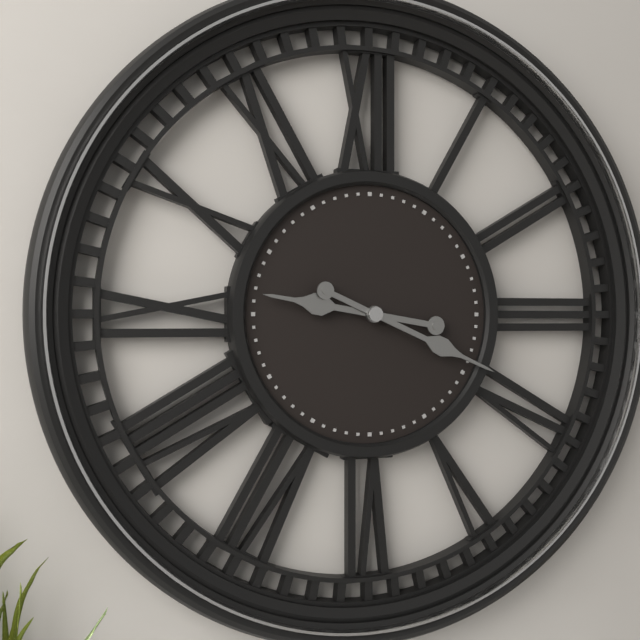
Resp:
9:19
